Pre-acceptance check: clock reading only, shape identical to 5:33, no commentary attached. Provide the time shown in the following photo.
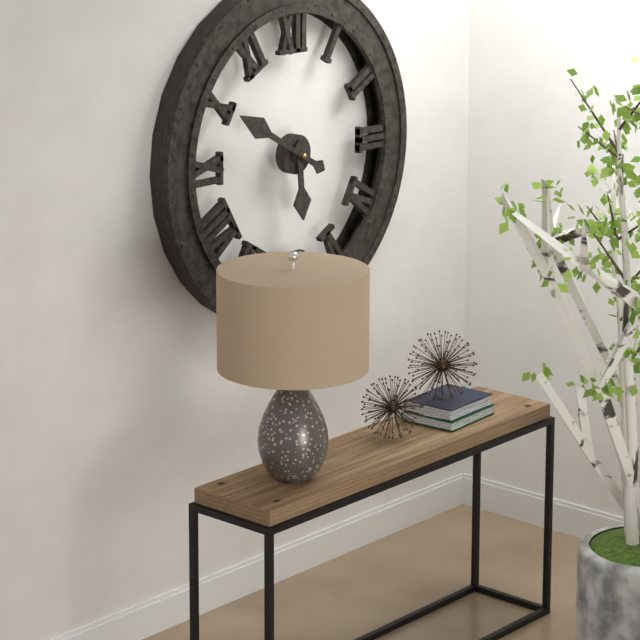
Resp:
5:50
